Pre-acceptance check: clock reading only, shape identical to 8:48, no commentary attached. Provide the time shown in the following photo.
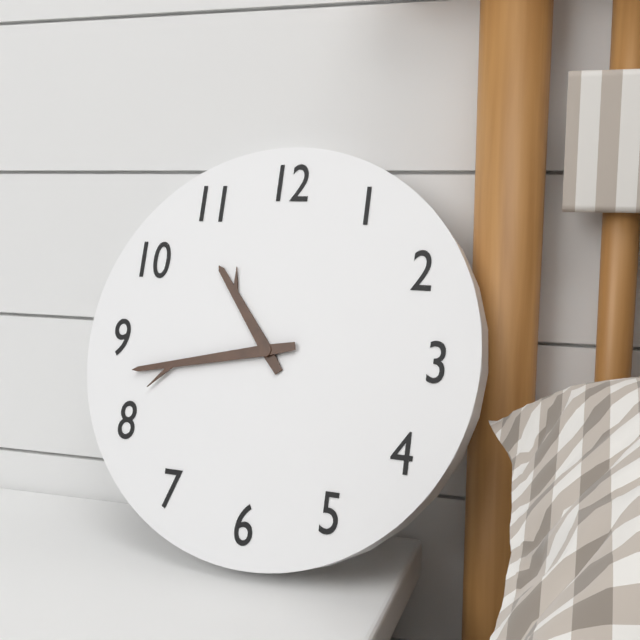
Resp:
10:43
